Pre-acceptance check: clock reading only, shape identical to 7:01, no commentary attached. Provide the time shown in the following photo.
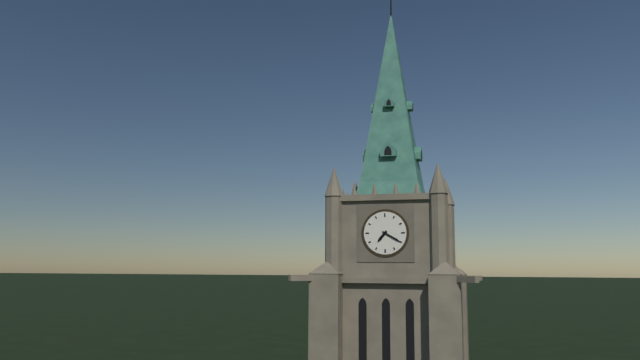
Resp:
7:20
